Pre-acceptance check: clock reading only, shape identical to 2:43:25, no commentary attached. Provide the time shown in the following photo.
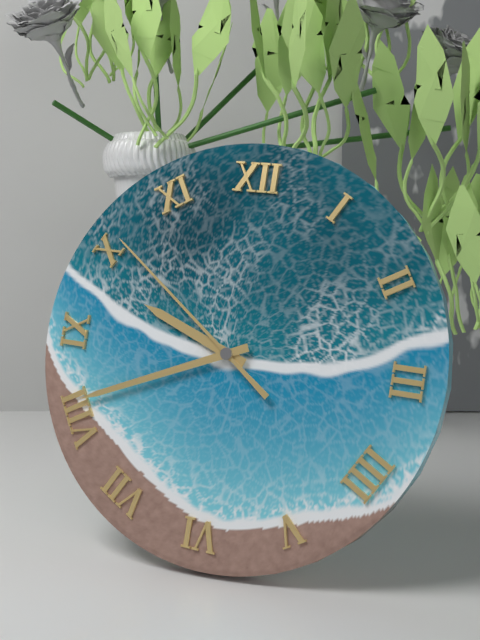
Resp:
9:41:51
